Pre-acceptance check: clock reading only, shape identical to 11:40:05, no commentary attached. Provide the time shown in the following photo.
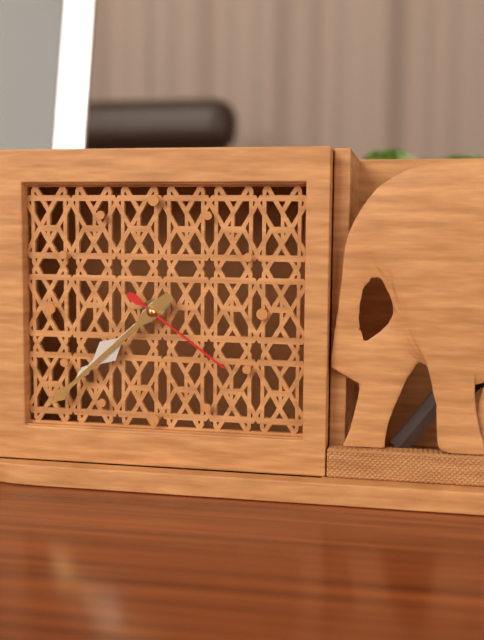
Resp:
7:38:21
